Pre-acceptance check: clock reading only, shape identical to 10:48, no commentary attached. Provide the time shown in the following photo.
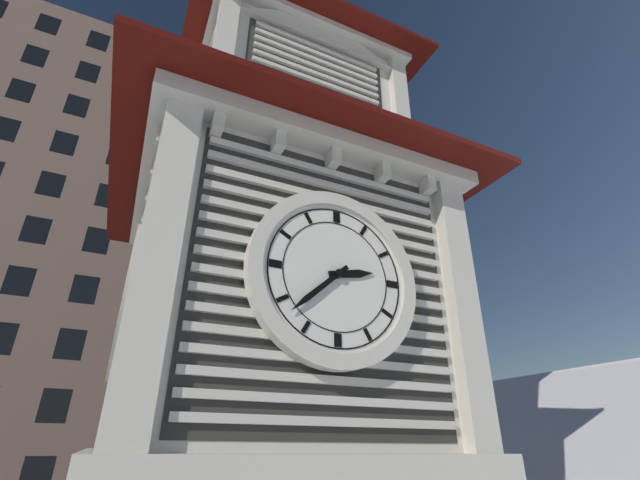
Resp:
2:38
